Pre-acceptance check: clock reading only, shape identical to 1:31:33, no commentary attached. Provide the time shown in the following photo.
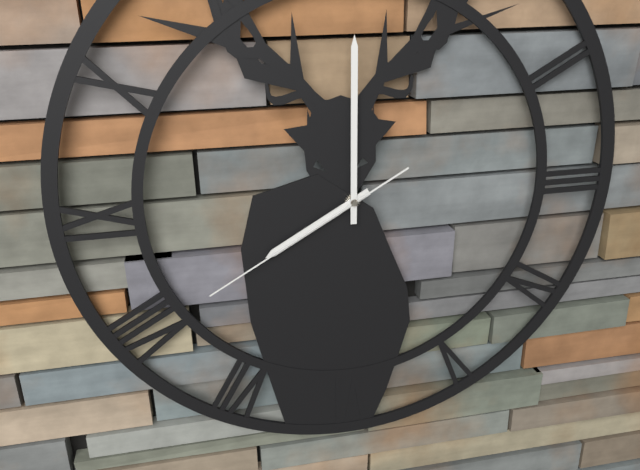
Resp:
8:00:40
